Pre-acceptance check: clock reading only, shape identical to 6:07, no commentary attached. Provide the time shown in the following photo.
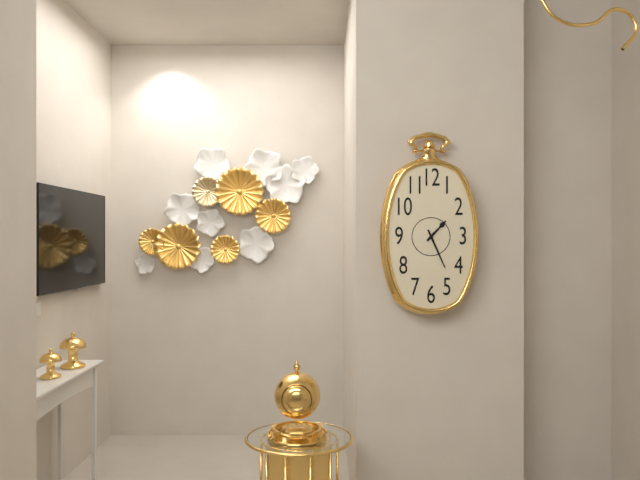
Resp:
1:26
